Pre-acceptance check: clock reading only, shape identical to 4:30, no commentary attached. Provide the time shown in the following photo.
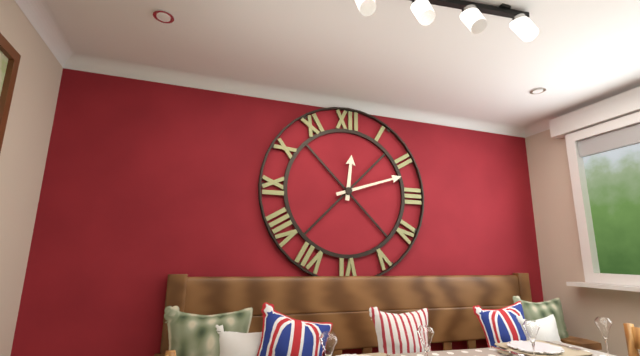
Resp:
12:12
